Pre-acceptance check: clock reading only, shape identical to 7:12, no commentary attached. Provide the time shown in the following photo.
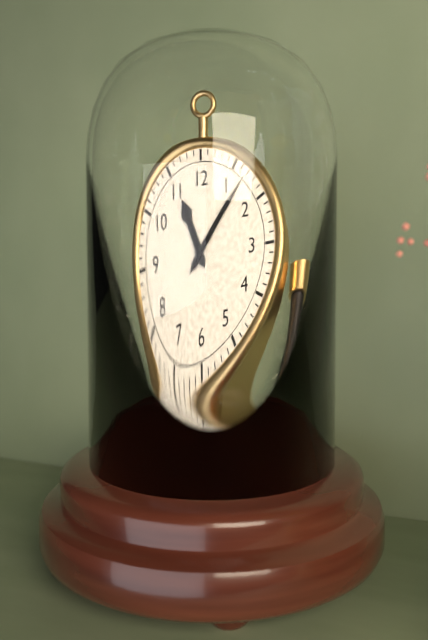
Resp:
11:07
